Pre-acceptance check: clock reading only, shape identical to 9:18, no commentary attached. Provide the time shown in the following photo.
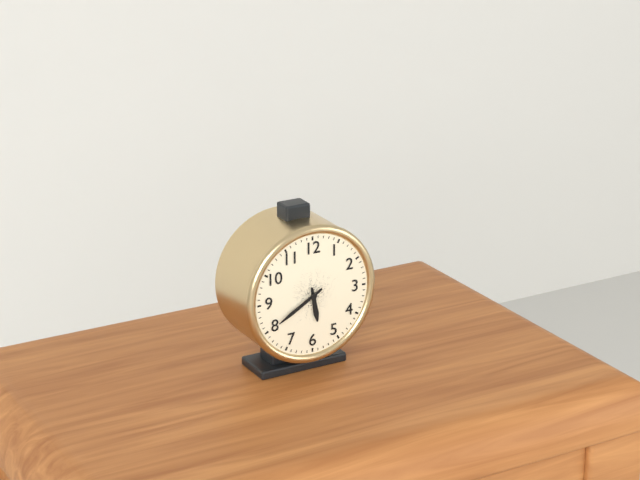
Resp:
5:40
